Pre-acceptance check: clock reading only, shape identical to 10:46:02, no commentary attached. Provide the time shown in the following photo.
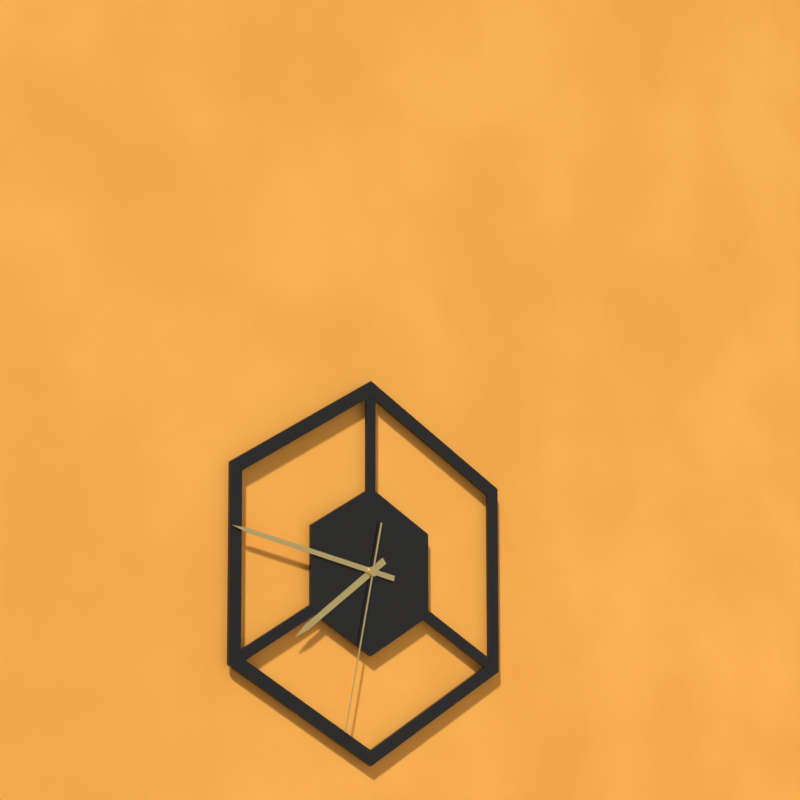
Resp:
7:47:32
